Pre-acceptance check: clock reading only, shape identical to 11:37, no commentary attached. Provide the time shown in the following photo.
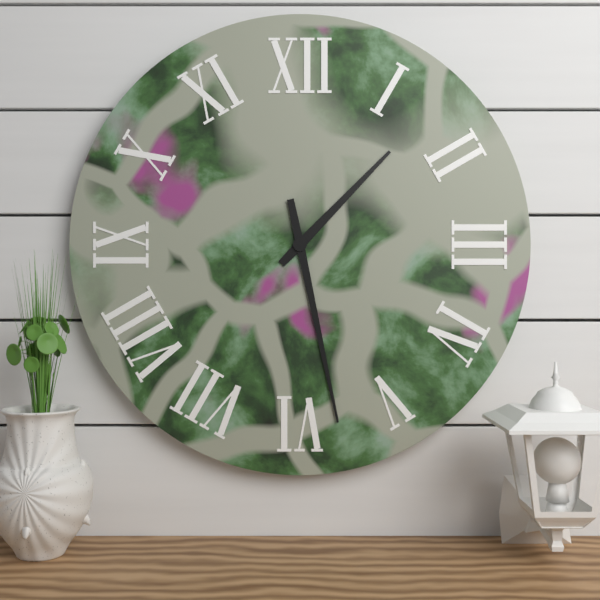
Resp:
1:28
